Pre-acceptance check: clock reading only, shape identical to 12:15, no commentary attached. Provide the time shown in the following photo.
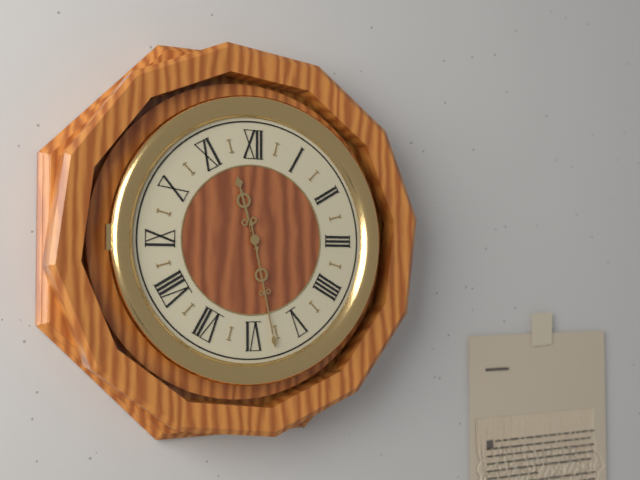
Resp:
11:28
